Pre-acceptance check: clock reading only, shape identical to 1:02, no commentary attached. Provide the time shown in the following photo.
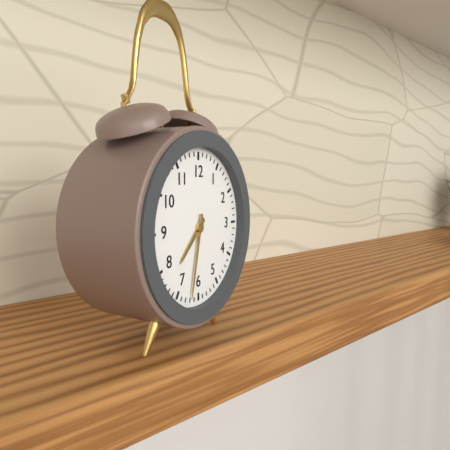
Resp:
7:32
